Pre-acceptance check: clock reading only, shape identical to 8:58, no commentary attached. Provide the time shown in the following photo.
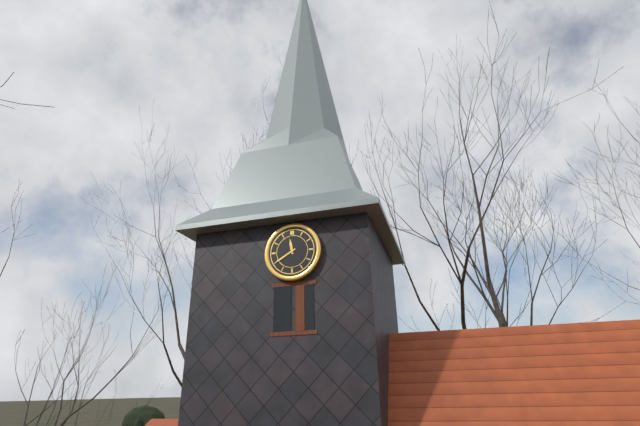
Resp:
11:40
